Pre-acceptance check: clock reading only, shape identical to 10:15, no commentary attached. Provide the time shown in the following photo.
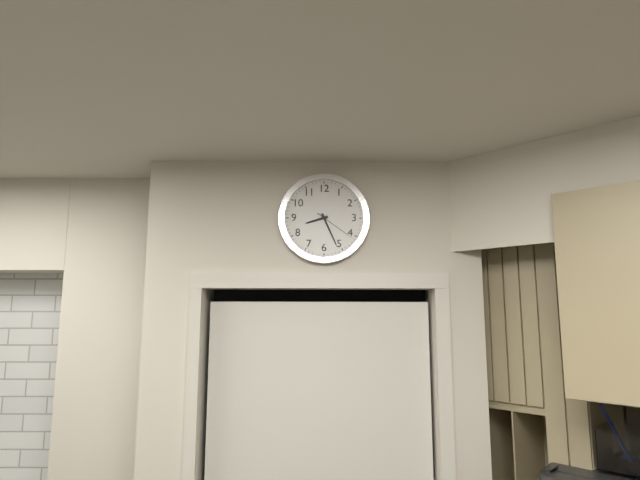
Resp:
8:26
